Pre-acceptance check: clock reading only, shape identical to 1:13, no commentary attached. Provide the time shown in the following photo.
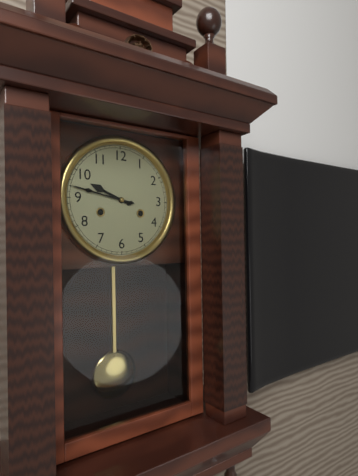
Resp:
9:47
